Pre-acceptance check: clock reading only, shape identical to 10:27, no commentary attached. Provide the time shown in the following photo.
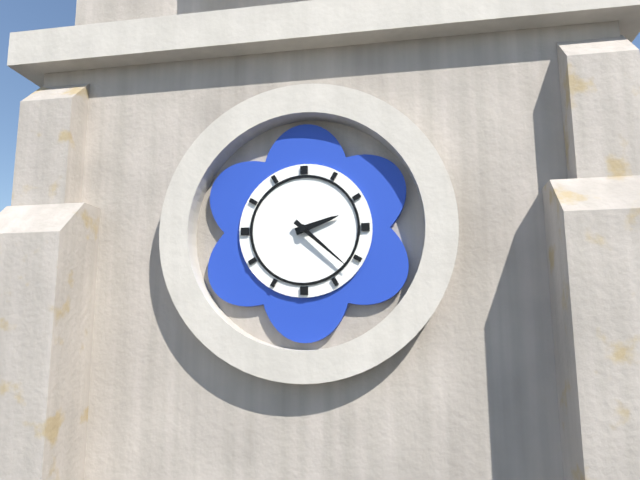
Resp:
2:22
